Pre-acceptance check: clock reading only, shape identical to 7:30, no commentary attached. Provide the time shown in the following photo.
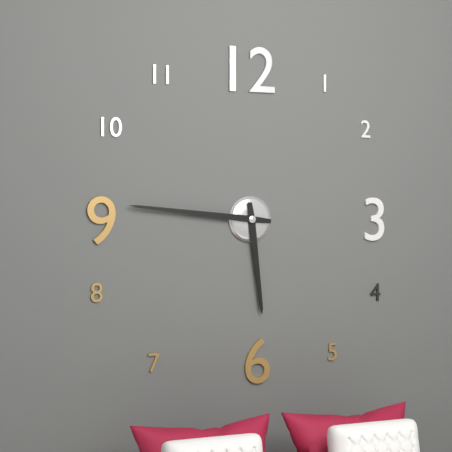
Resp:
5:46
